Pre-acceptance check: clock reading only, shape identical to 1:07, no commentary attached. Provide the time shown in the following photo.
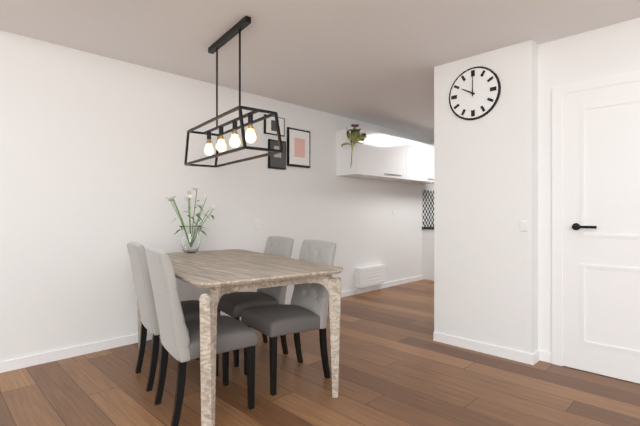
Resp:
10:00
